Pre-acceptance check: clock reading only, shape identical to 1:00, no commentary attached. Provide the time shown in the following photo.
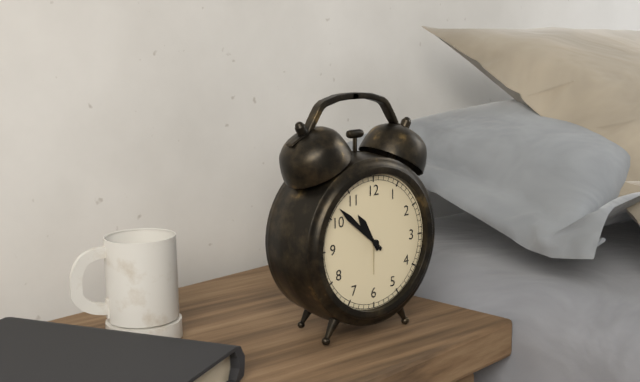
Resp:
10:52
